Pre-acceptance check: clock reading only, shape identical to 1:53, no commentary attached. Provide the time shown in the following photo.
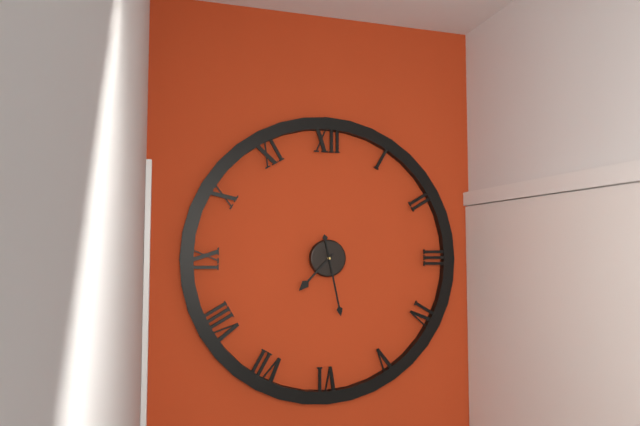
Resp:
7:28
